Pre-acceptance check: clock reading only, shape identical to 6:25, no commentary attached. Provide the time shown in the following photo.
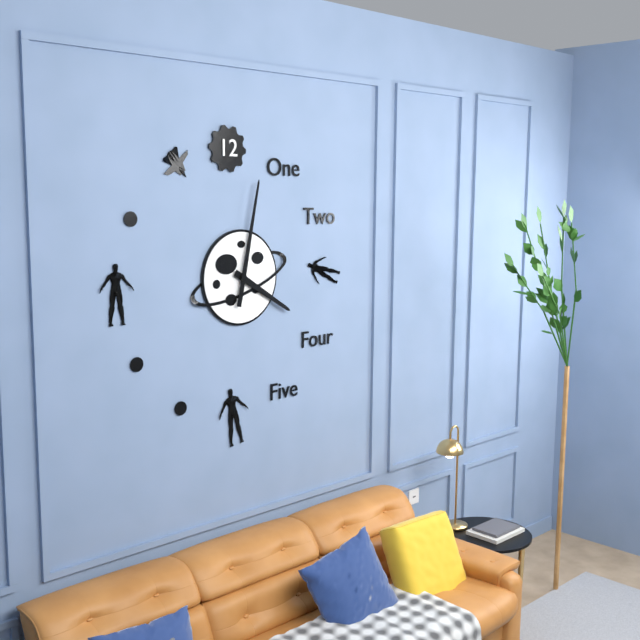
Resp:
4:02
